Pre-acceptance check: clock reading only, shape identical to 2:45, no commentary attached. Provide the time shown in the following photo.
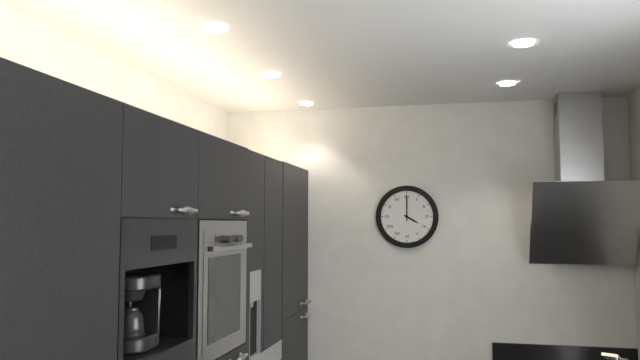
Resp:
4:00
